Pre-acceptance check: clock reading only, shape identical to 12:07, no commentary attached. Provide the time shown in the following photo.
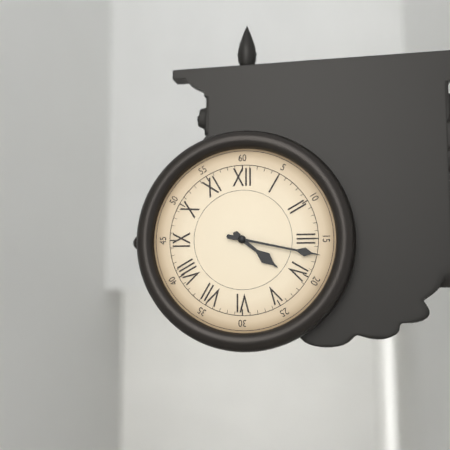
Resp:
4:17
